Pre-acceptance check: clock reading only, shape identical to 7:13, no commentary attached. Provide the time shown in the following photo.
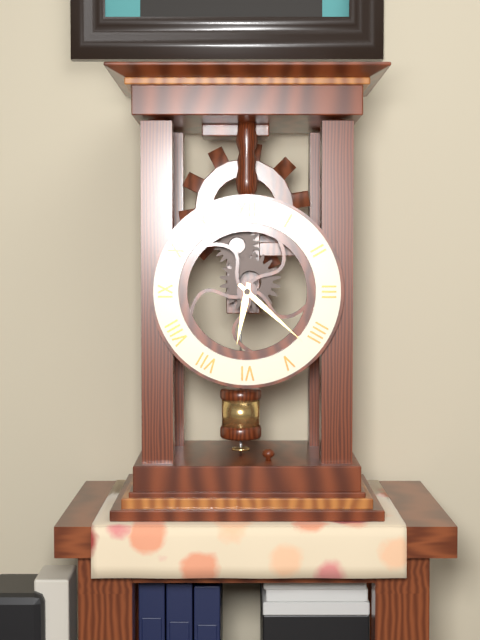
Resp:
6:22
